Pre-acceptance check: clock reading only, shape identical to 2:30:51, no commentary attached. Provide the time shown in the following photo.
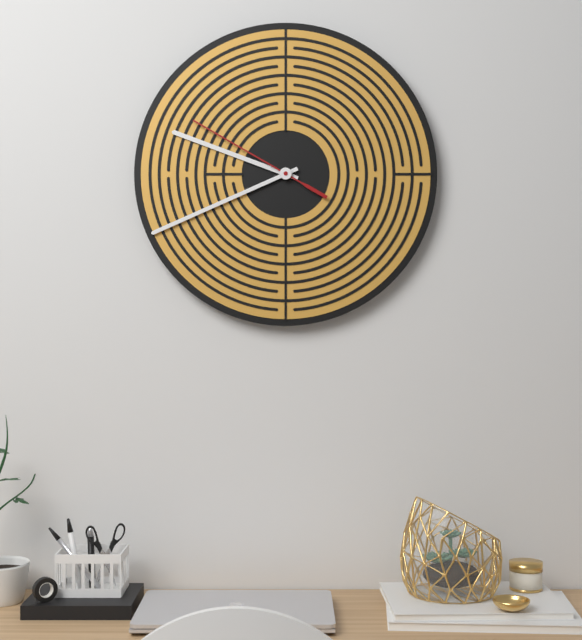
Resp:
9:41:50
